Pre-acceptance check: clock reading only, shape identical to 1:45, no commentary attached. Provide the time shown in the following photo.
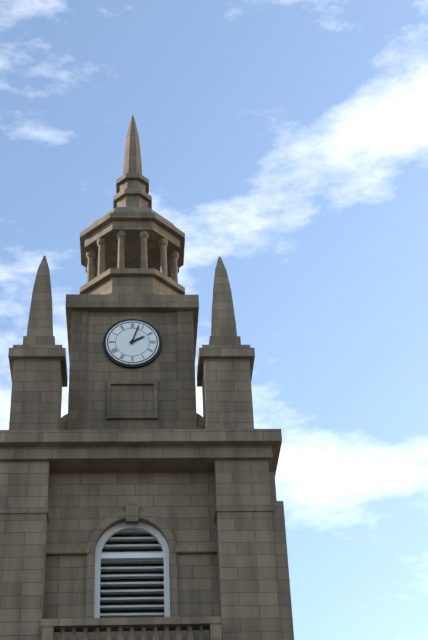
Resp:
2:03
